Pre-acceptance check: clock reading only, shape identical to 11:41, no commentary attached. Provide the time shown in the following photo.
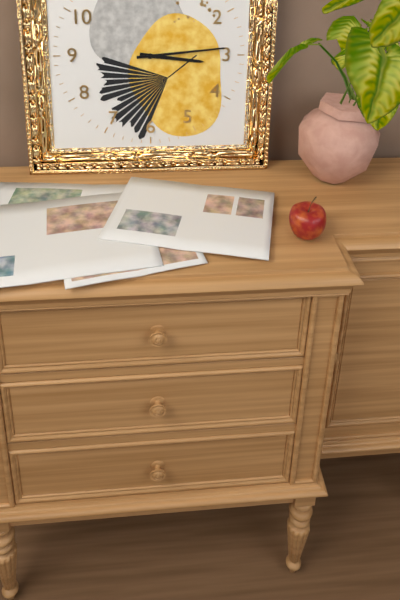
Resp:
3:14
